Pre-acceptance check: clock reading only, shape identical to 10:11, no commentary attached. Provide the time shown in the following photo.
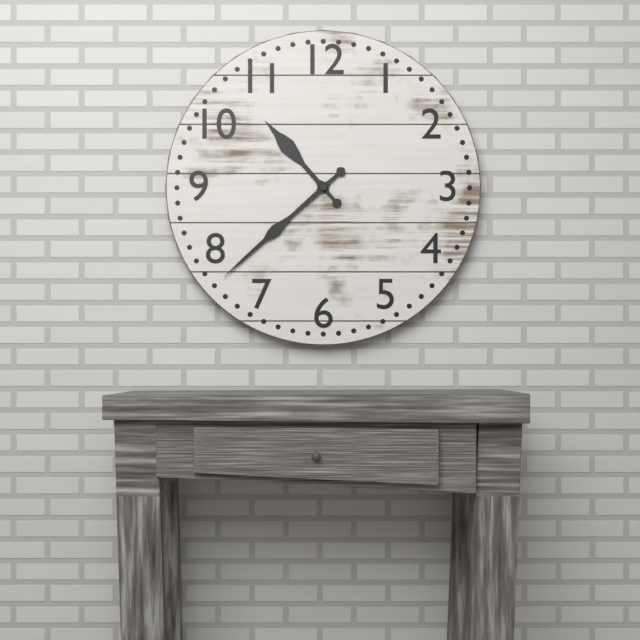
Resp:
10:38
